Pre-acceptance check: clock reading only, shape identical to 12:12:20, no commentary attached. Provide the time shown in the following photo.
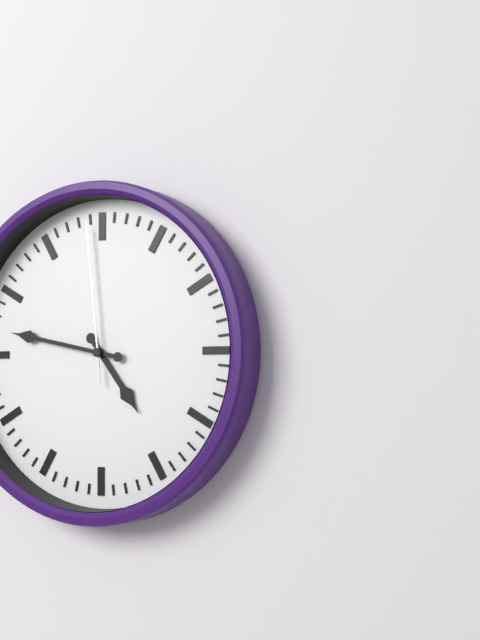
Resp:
4:47:59
